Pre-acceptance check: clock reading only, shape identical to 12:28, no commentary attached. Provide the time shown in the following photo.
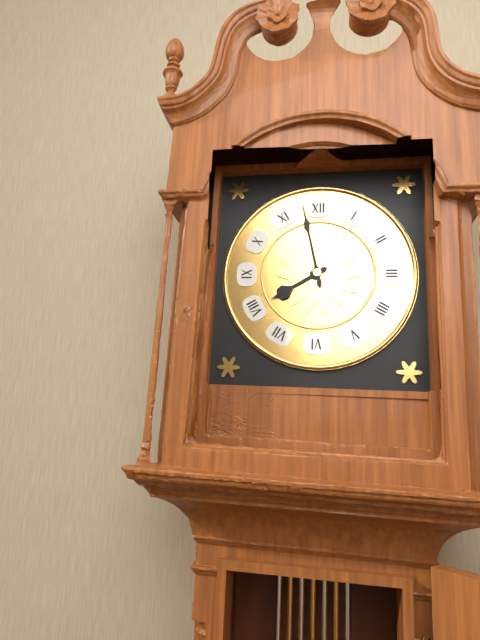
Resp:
7:58
